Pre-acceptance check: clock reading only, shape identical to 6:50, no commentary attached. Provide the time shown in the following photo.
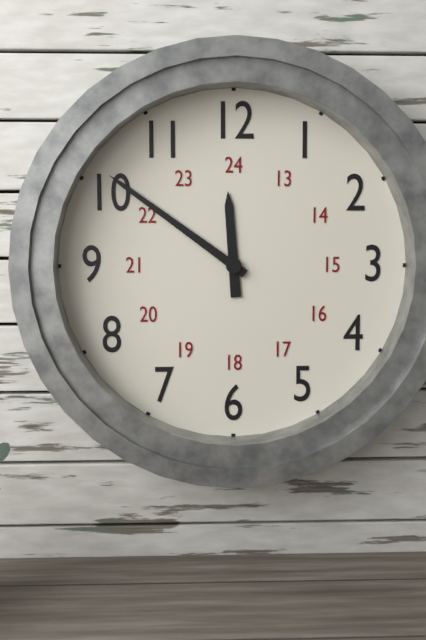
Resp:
11:51
